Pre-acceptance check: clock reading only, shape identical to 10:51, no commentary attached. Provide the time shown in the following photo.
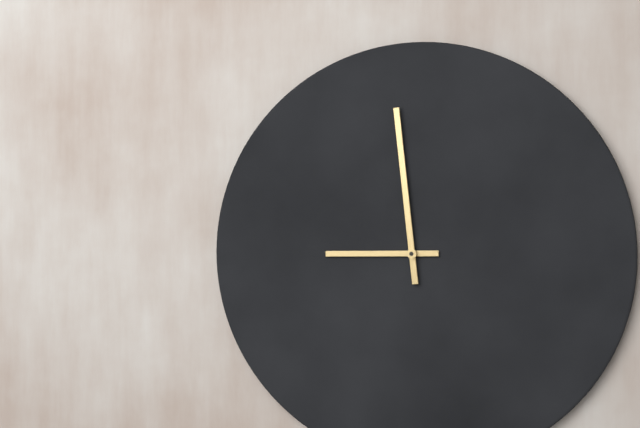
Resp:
8:59
